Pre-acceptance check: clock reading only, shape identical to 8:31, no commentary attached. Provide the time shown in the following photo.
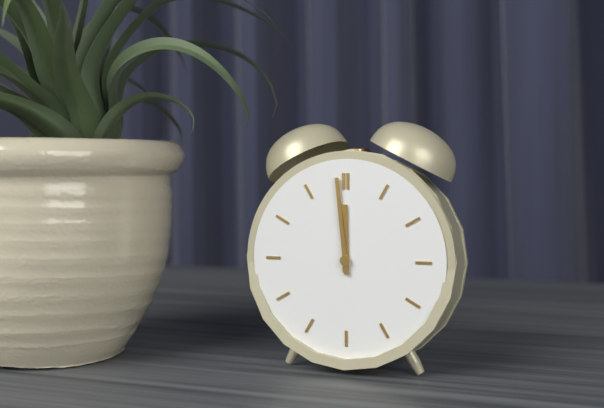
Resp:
11:59
